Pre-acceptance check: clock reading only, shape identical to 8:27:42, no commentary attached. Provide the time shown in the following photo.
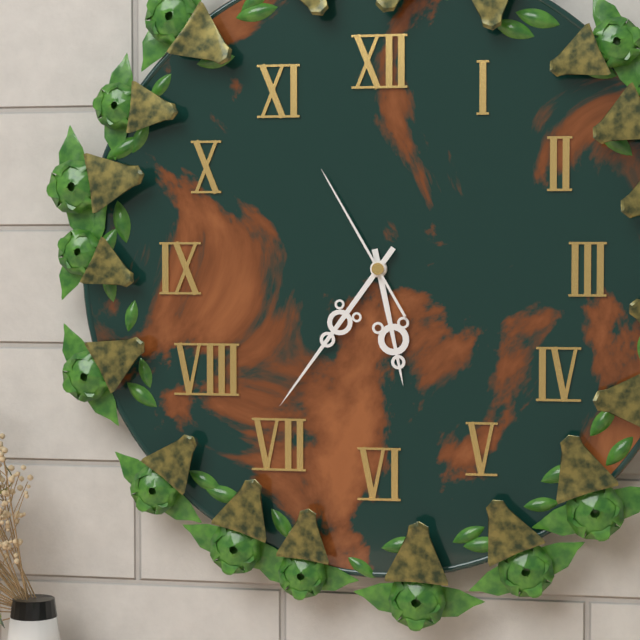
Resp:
5:36:55
